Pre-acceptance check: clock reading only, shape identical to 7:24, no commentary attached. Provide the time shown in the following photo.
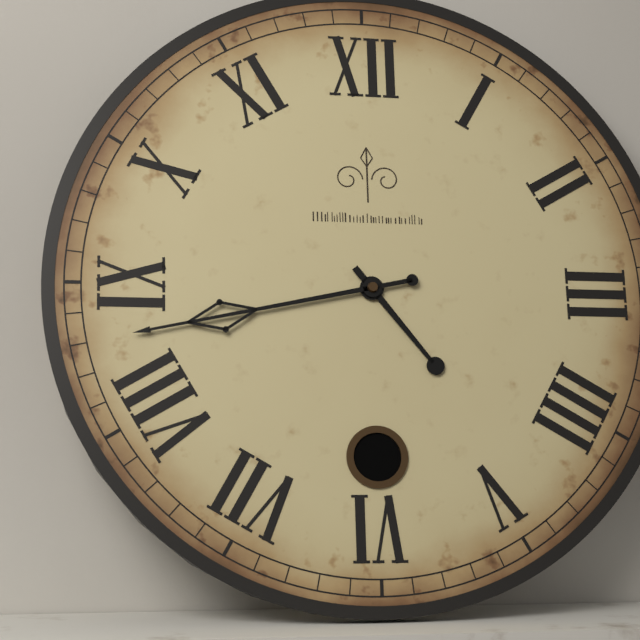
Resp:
4:43
